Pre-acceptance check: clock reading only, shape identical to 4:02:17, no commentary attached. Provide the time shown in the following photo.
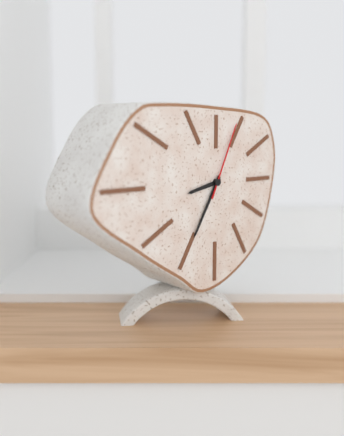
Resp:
8:35:04
